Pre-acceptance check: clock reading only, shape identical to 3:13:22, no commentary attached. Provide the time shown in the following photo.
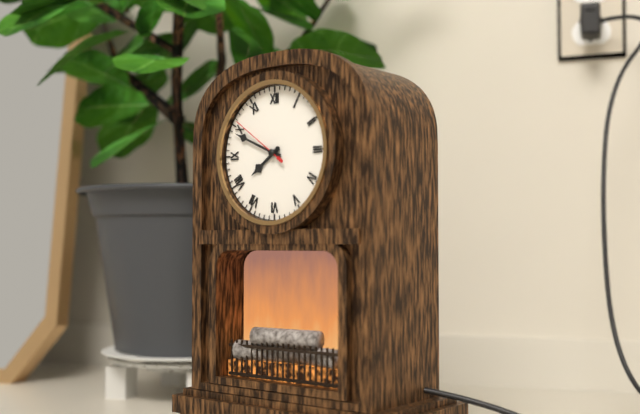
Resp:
7:49:51
